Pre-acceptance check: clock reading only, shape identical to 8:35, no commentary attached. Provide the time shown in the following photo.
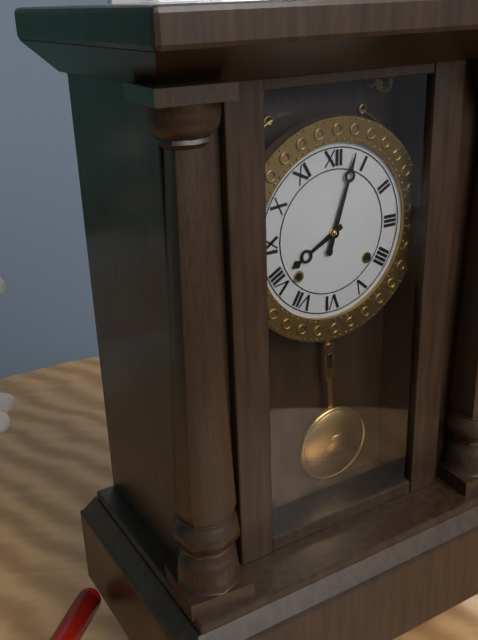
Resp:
8:03
